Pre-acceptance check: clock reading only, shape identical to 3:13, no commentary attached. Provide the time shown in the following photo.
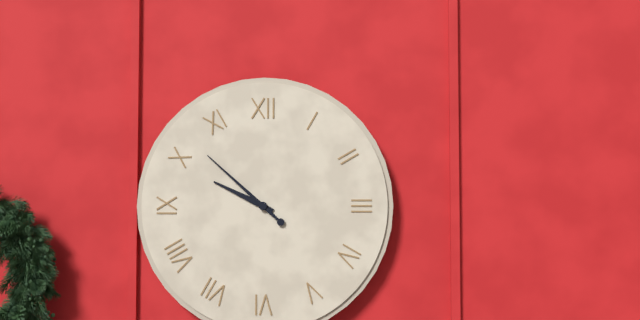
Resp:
9:52
